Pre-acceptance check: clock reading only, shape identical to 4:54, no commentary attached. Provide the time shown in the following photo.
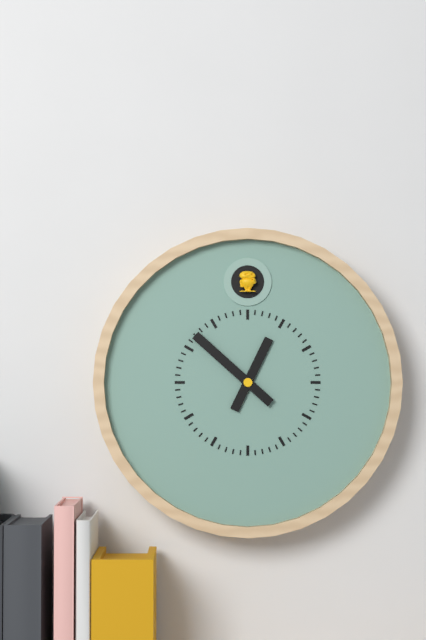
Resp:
12:52
